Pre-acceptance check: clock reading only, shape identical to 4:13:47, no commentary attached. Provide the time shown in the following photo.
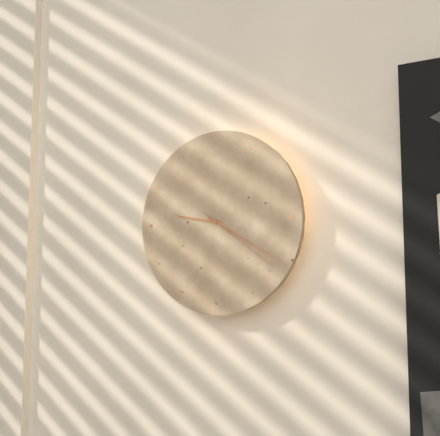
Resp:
9:20:21
